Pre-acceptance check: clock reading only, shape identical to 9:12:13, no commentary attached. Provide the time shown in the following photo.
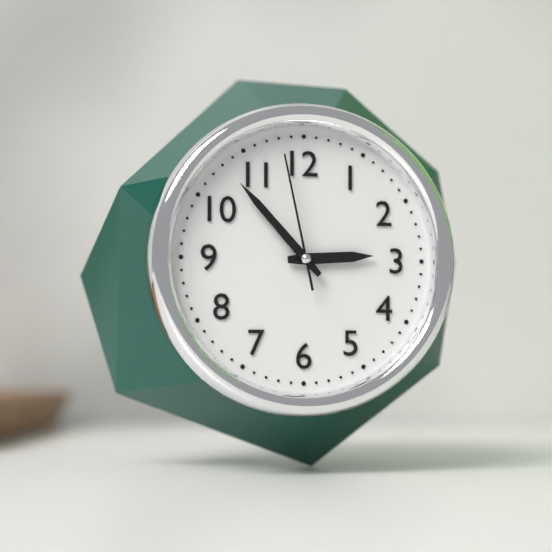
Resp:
2:53:58
